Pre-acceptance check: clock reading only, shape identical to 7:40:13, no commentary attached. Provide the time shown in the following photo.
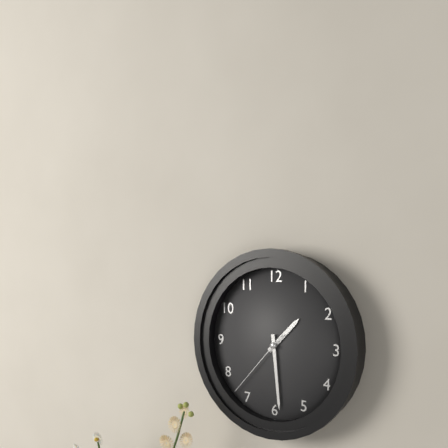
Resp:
1:29:37
